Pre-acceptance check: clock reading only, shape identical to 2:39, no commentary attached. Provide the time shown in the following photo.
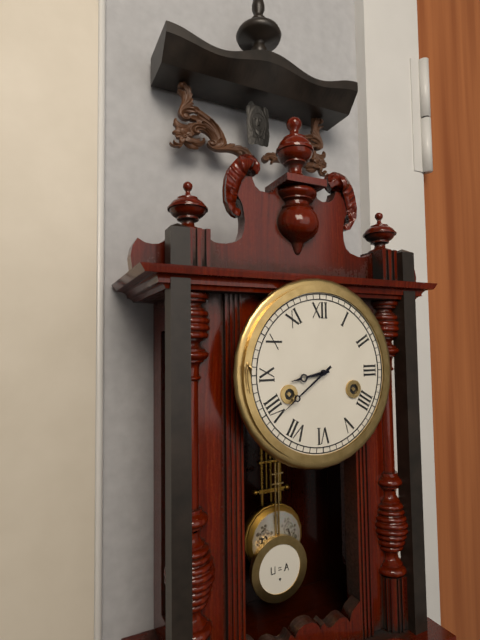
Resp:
8:39
